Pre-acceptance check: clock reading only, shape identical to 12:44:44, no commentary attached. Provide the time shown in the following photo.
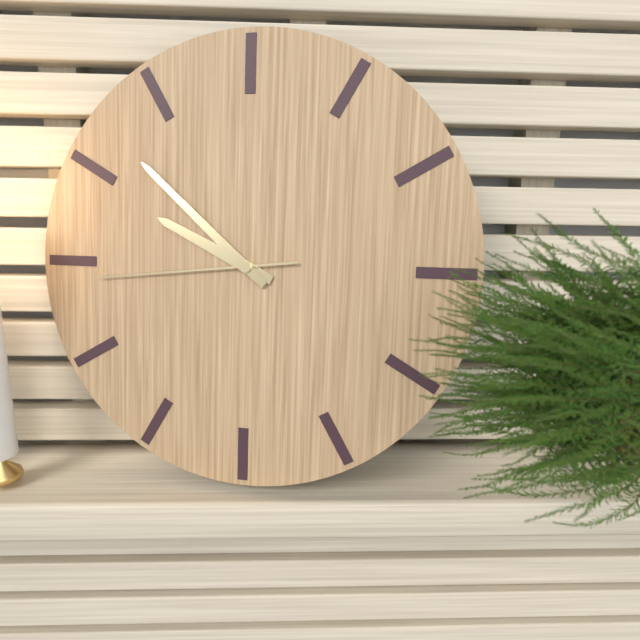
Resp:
9:52:44
